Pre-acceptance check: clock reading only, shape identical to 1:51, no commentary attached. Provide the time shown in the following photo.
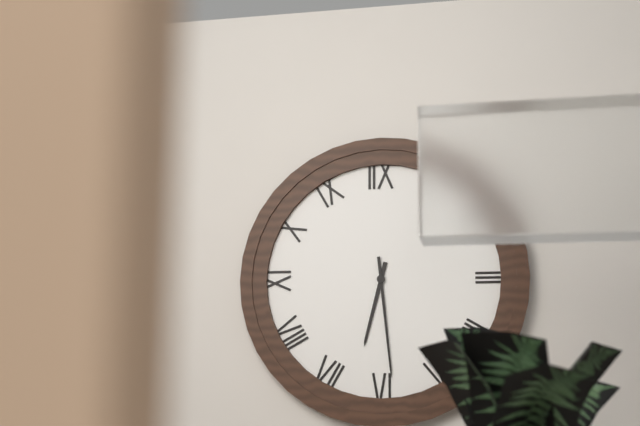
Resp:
6:29
